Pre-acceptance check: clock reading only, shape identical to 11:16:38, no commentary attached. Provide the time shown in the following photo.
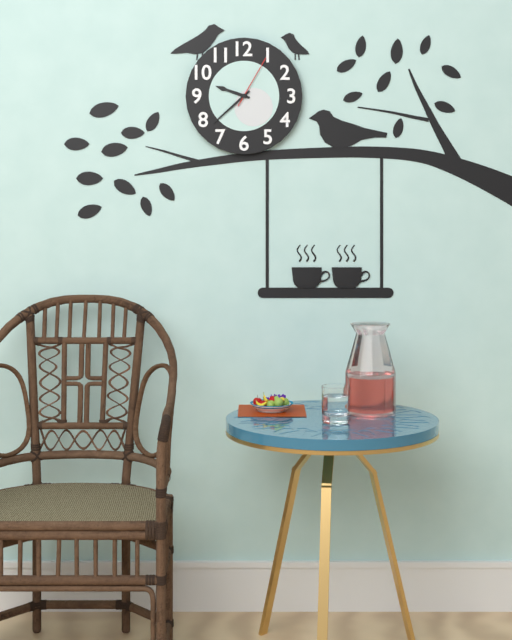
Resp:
9:38:05
